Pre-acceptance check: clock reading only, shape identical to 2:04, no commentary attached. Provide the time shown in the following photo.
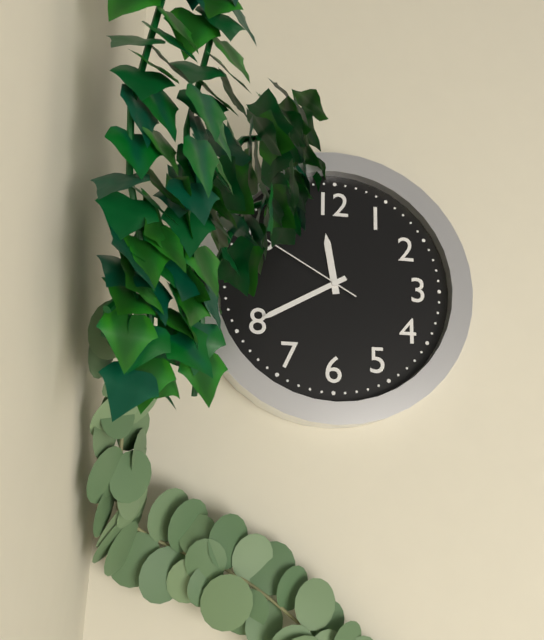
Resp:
11:40
